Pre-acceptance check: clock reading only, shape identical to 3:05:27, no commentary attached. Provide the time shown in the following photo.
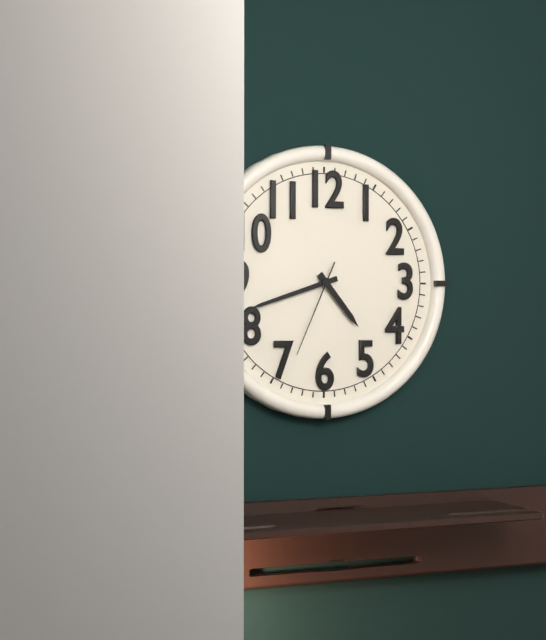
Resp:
4:42:34
